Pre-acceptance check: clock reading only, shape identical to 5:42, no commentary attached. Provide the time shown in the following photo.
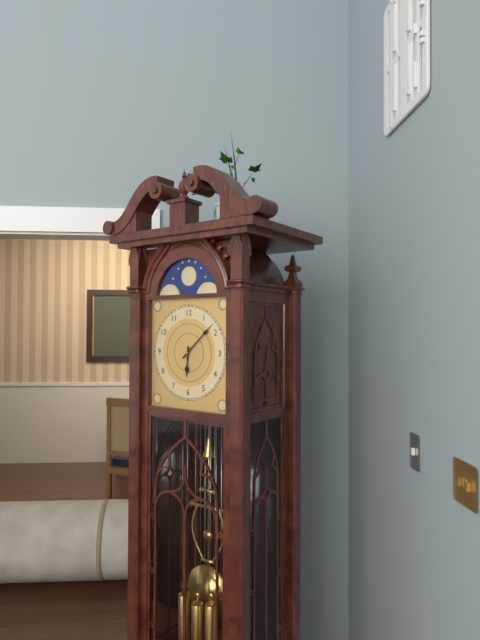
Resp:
6:08
